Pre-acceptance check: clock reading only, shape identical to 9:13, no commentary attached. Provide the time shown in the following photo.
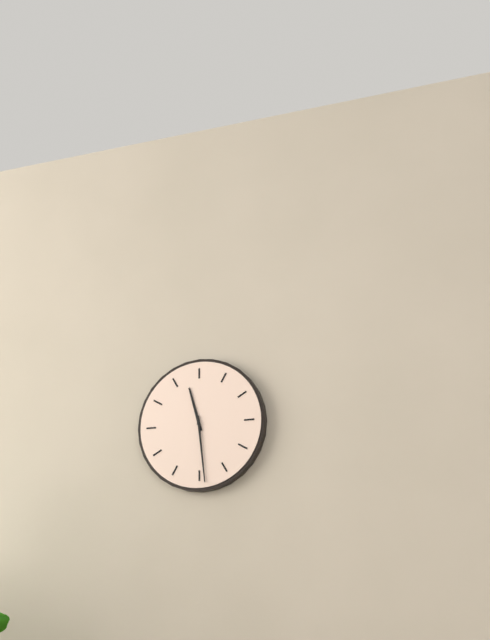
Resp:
11:29
